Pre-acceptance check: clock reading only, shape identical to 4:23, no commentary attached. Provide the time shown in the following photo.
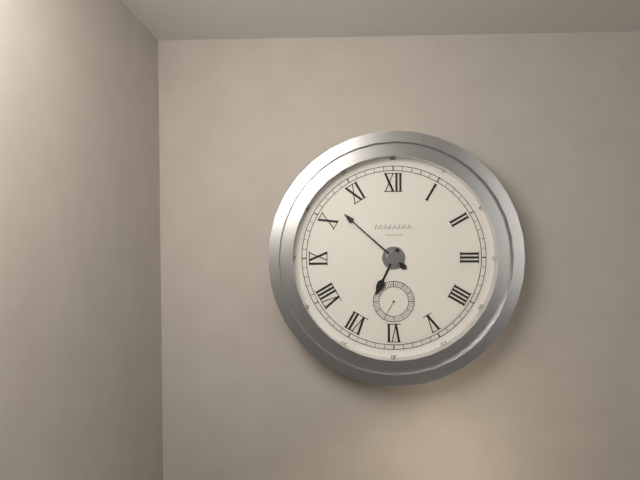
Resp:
6:52
